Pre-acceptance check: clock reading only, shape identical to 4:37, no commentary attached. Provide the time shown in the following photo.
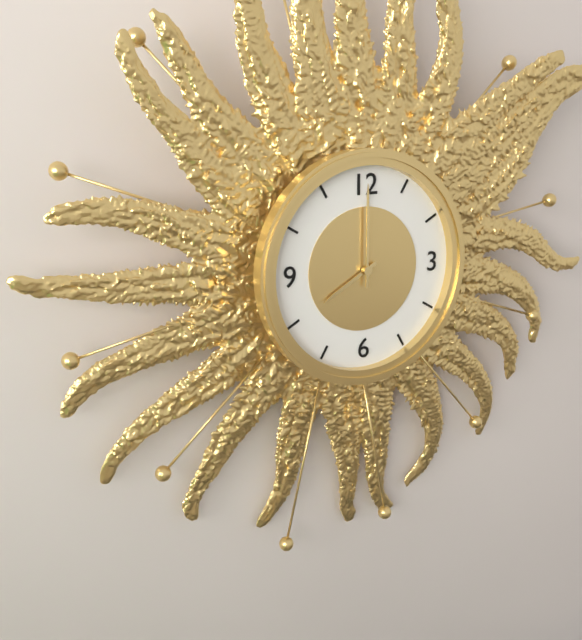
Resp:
8:00
